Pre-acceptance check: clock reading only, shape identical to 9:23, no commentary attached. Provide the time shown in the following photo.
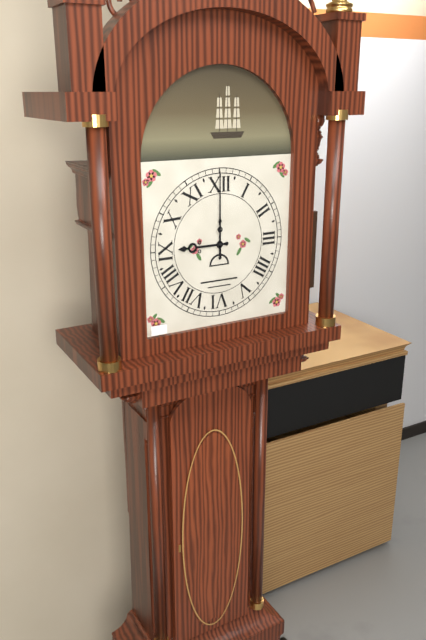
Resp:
9:00
